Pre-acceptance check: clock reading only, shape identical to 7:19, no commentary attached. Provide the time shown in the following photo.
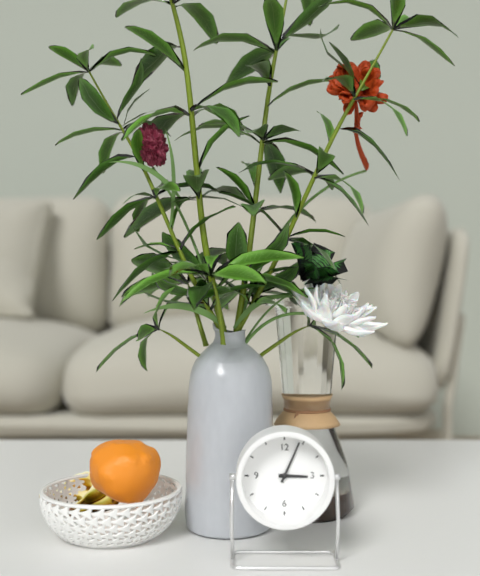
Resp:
3:04
